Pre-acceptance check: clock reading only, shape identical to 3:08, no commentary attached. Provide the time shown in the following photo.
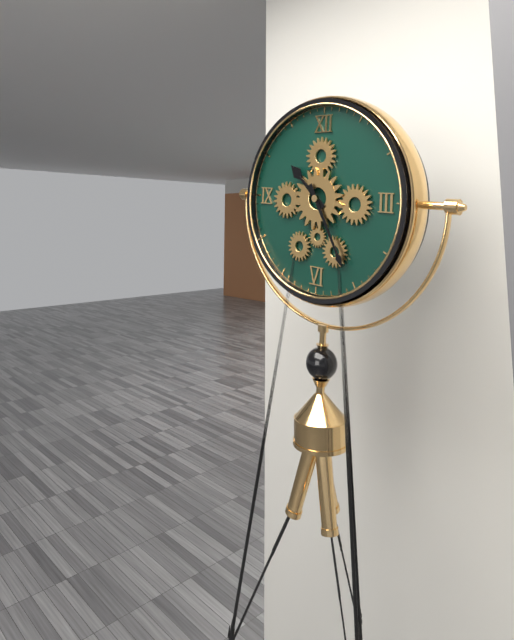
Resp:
10:25
